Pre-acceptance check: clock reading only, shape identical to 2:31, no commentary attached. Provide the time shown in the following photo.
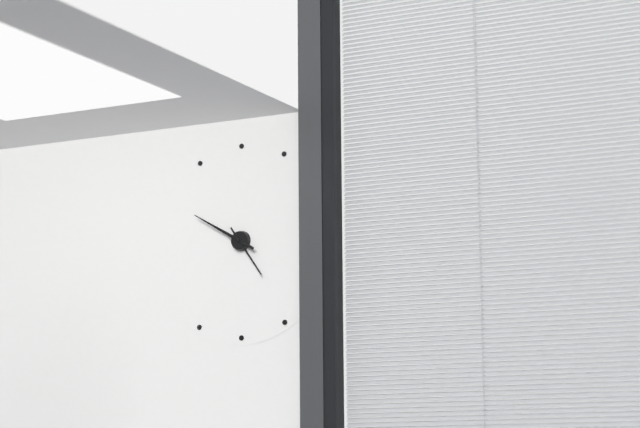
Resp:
4:50
